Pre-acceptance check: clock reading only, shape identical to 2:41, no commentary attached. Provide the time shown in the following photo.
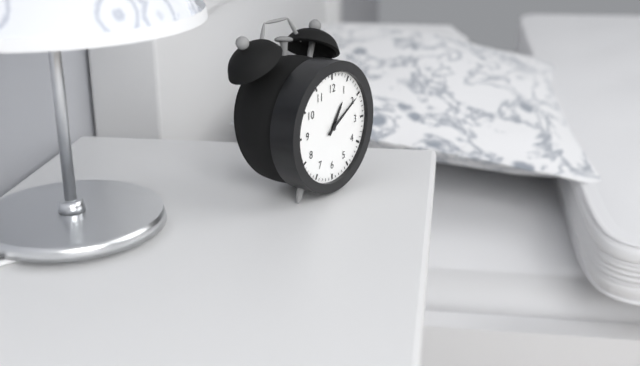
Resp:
1:10
